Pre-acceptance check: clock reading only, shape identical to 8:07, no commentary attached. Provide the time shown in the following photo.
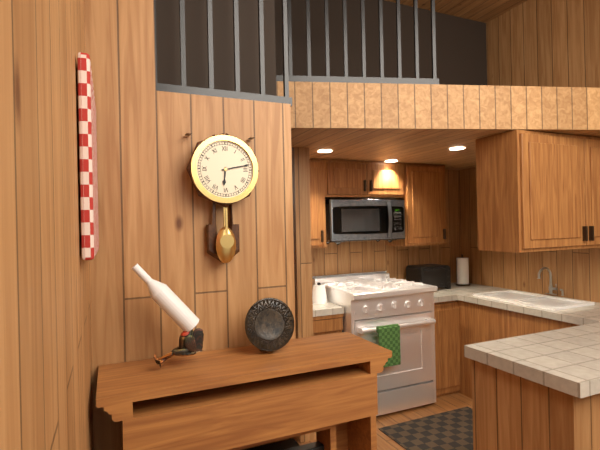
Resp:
6:13
